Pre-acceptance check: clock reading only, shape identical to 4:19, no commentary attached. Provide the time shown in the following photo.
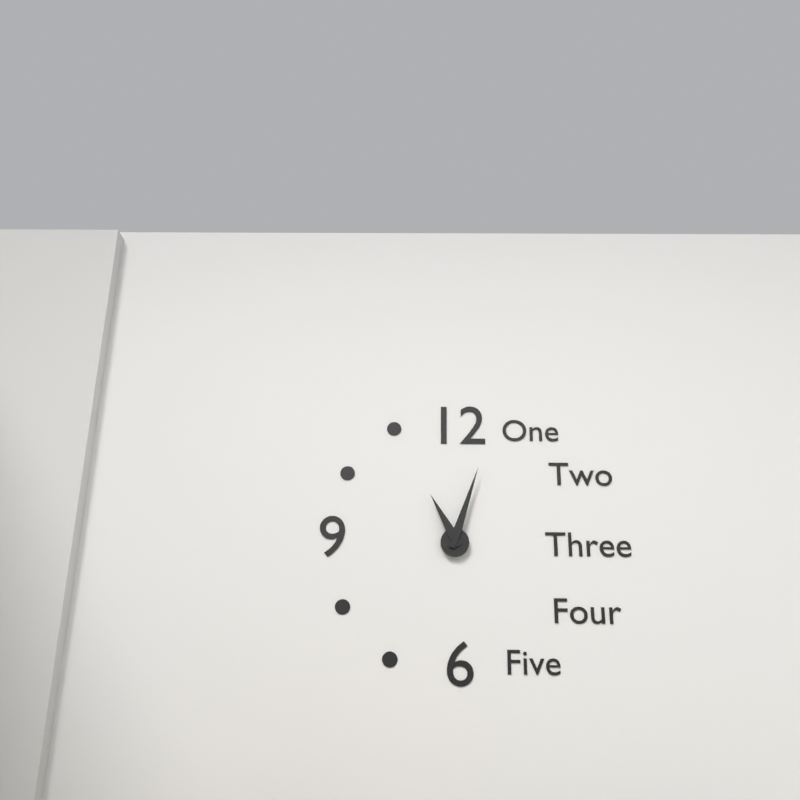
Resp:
11:03
